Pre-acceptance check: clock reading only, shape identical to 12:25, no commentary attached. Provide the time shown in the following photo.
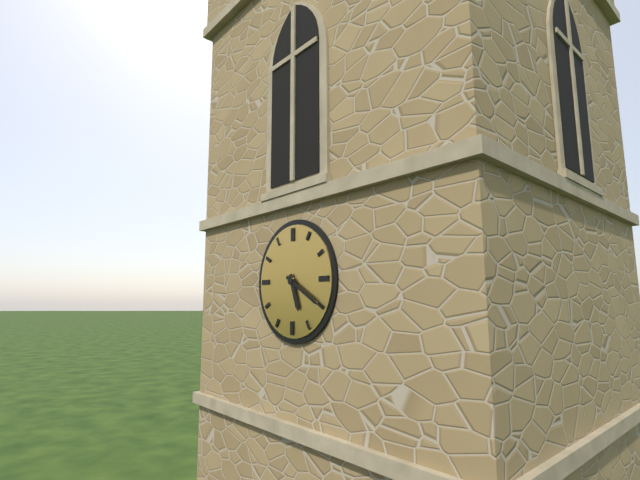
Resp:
5:20
